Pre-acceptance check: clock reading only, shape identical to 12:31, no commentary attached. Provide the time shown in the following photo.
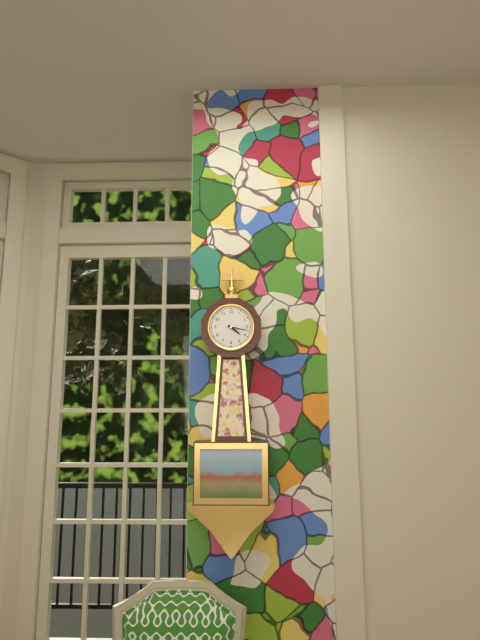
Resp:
4:17
